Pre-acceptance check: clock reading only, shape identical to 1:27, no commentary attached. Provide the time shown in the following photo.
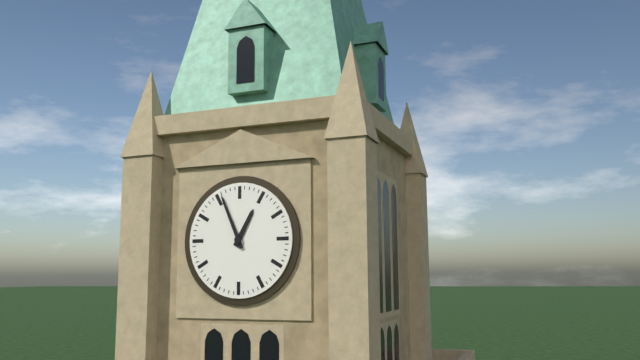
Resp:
12:56
